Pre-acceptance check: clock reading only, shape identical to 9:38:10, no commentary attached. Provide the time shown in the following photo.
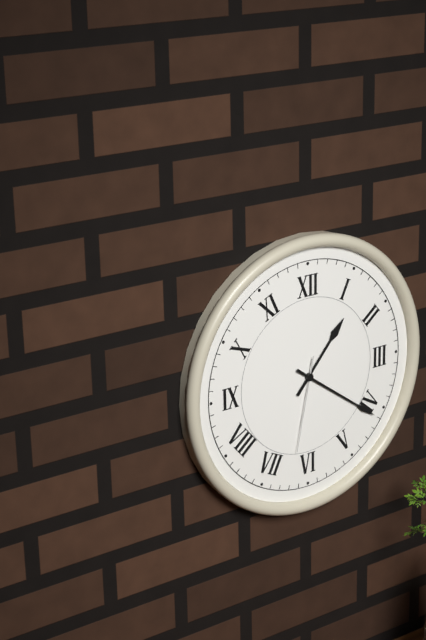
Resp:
1:21:32
